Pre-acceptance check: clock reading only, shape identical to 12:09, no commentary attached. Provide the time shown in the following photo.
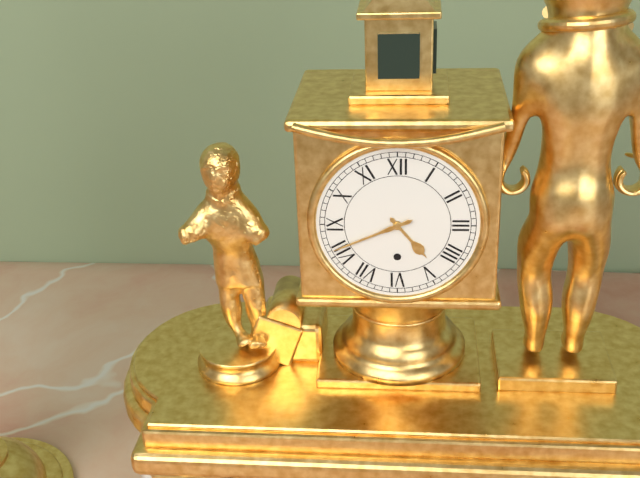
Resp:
4:41
